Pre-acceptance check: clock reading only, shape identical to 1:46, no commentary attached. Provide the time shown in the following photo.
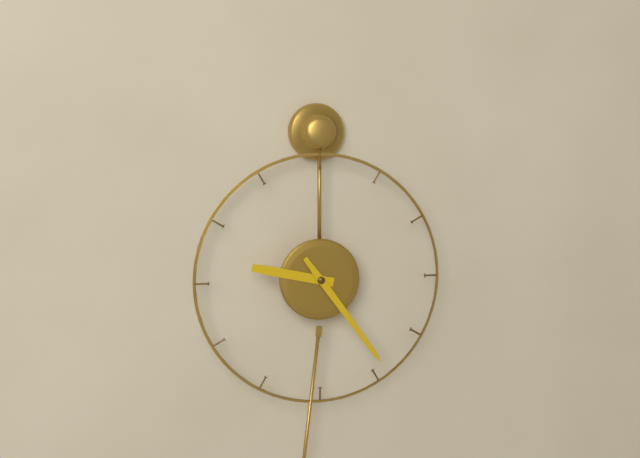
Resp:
9:24
